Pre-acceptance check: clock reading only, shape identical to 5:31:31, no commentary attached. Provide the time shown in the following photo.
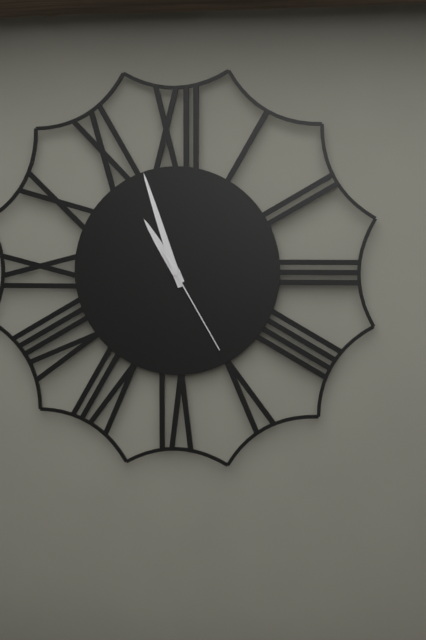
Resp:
10:57:25
